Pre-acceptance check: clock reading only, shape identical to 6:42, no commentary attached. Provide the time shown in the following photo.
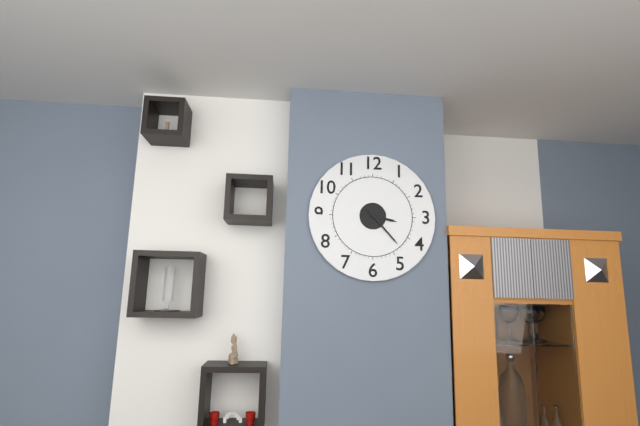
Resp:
3:23
